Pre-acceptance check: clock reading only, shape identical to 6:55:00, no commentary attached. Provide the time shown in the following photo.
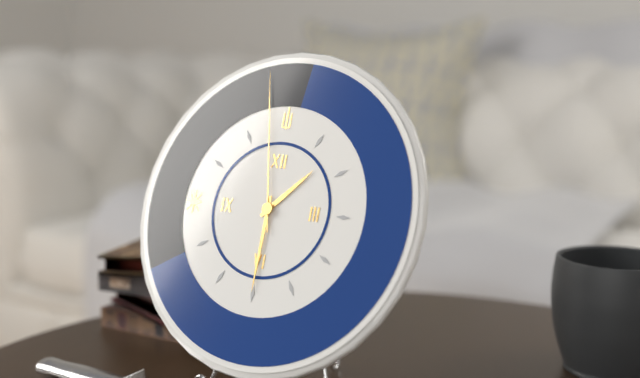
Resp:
1:30:58
